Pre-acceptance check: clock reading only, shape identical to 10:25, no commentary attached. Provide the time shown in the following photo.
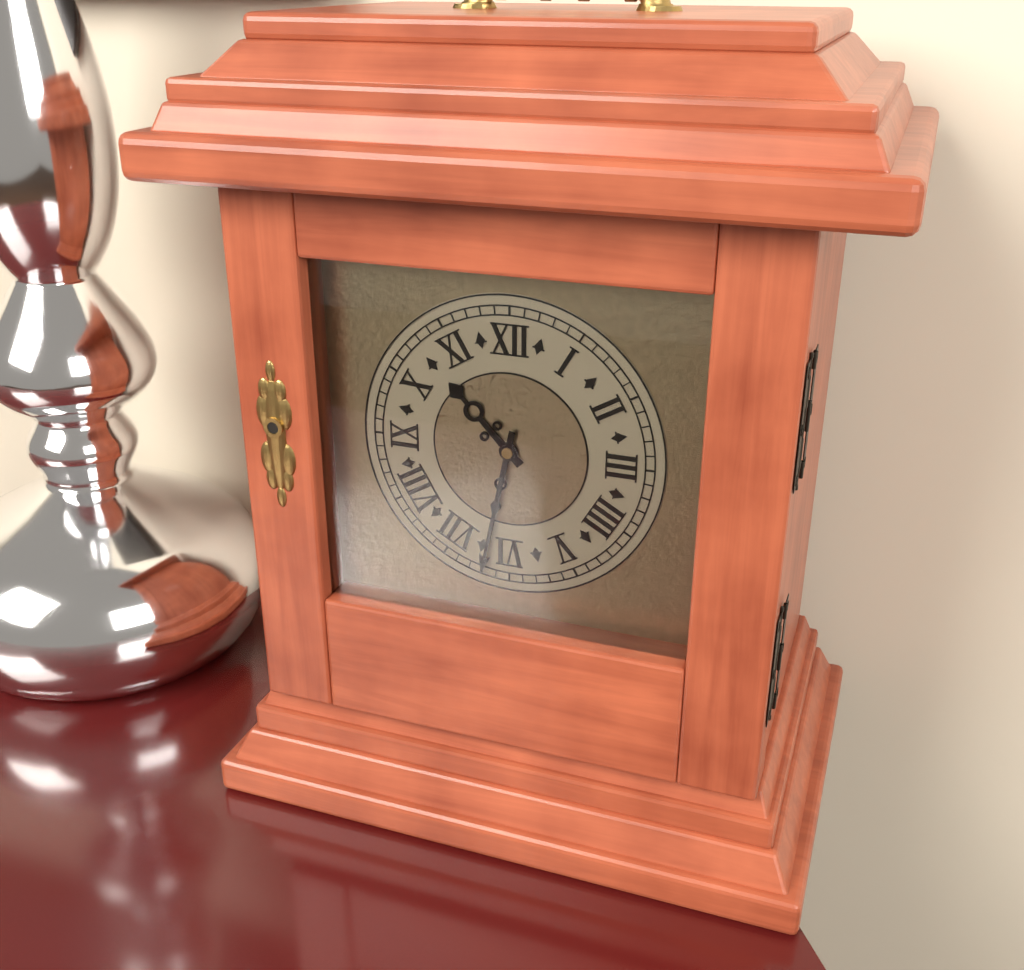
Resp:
10:32
